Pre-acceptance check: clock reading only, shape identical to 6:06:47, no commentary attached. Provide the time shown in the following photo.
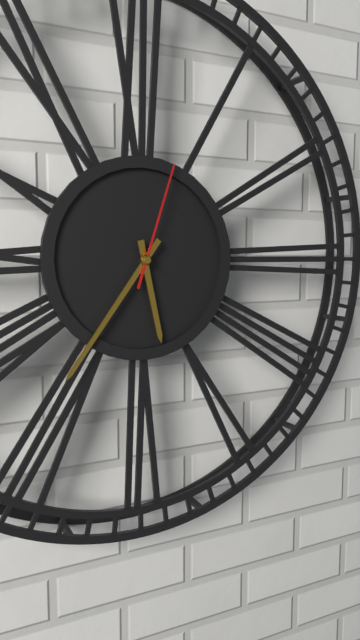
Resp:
5:36:03
